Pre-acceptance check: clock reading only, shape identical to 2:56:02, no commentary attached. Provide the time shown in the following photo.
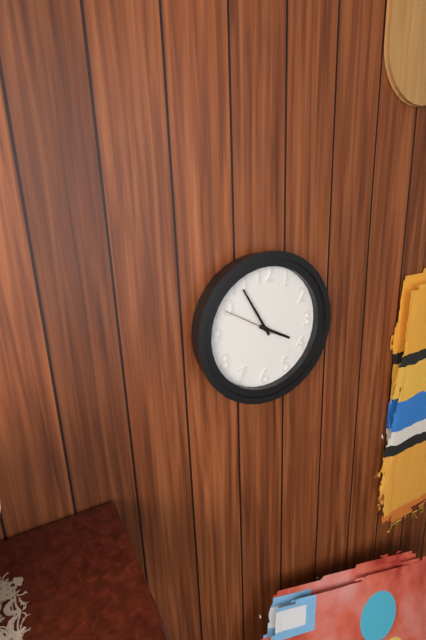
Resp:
3:55:50
